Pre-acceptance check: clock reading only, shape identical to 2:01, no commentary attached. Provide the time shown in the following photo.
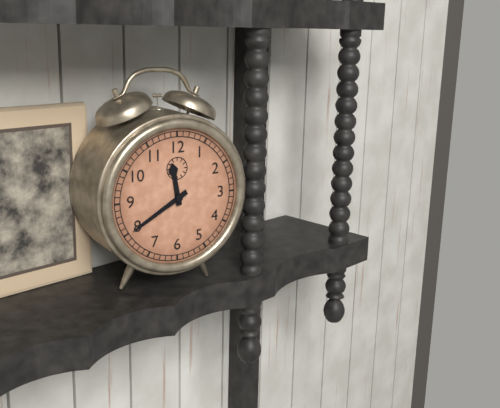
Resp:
11:40
